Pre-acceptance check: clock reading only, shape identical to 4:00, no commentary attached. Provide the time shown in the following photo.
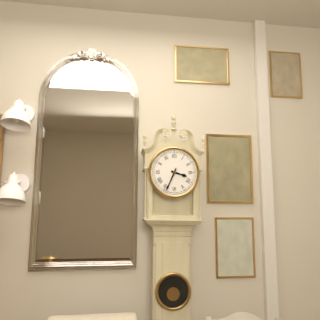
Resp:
3:34
